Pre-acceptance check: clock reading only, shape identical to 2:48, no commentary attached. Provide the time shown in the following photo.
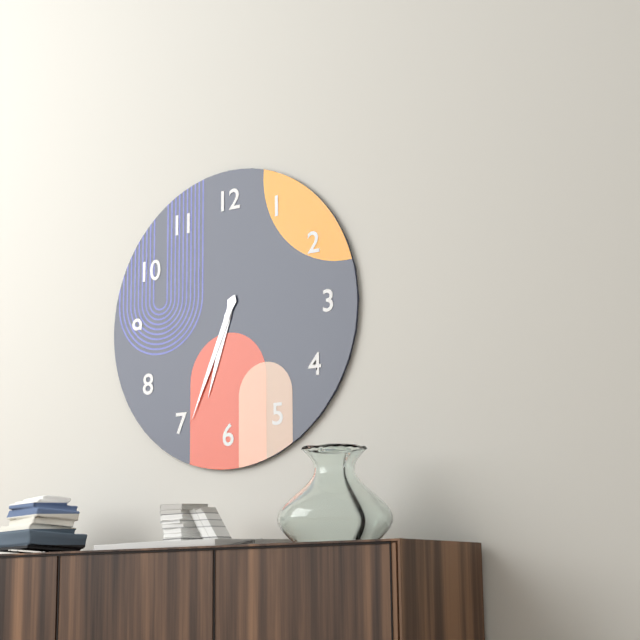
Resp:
6:34
